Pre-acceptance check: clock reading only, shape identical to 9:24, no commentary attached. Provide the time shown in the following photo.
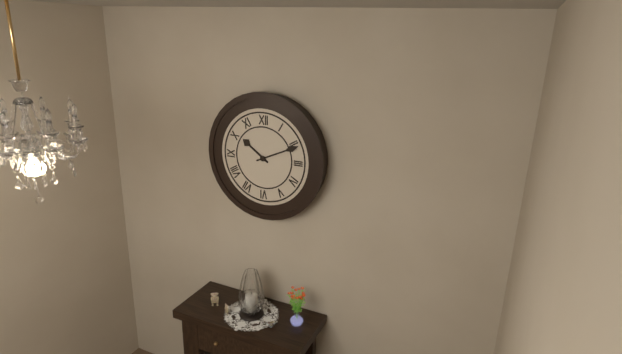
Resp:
10:11
